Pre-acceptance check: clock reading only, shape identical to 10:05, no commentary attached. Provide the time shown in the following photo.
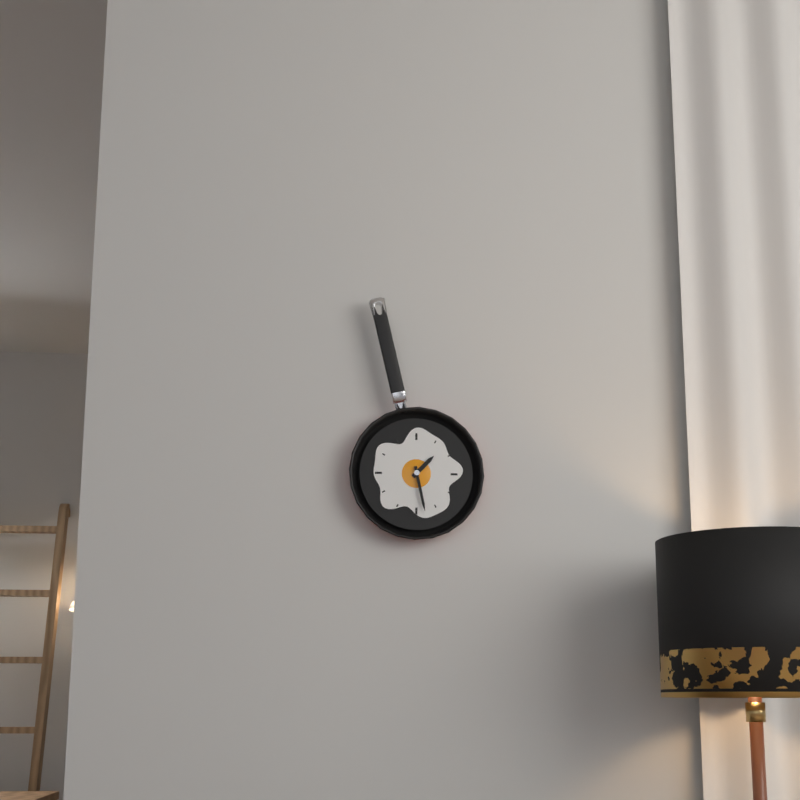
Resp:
1:28
